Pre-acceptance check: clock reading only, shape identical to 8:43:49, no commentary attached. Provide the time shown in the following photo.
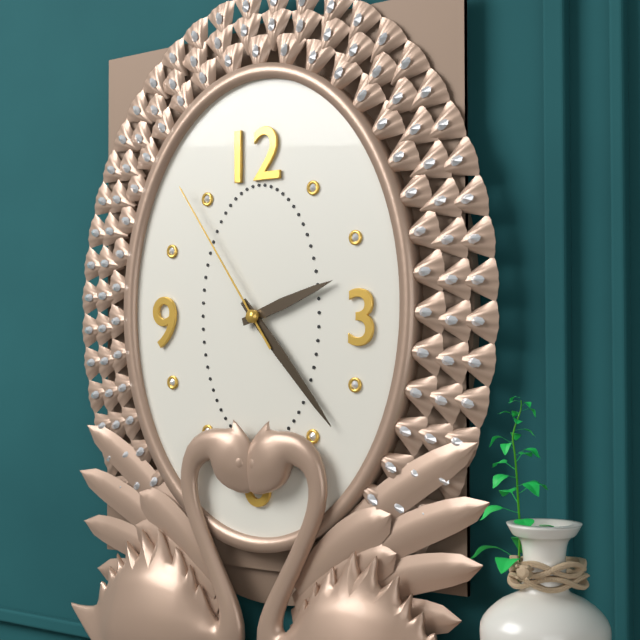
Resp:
2:23:54
